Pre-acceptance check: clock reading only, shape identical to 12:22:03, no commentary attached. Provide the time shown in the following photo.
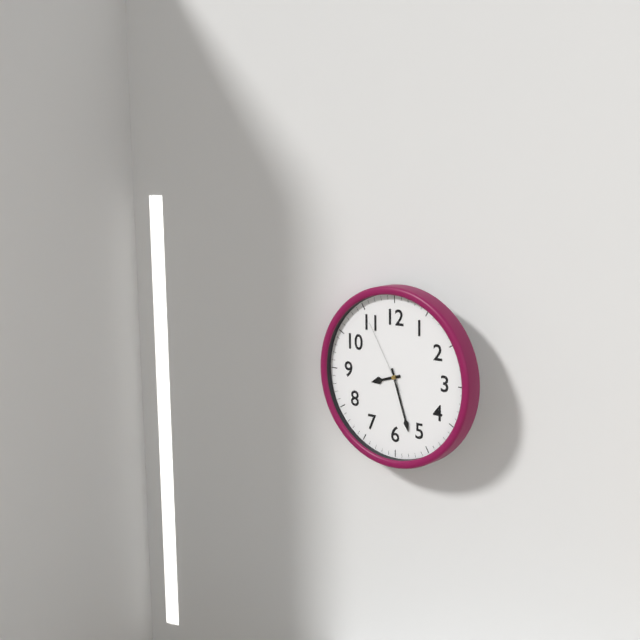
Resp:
8:27:55
